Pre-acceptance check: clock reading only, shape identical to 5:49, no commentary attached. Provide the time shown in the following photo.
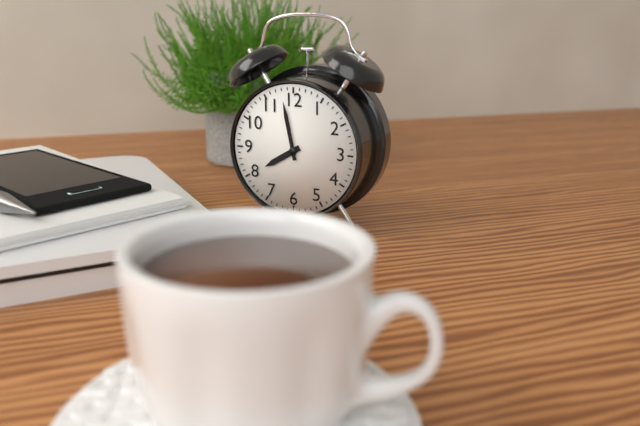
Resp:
7:58
